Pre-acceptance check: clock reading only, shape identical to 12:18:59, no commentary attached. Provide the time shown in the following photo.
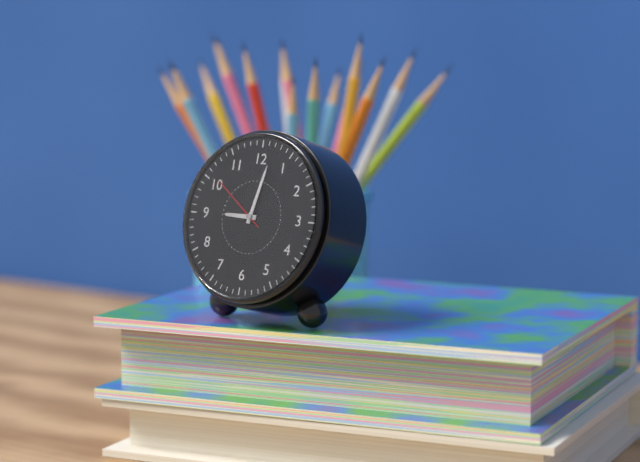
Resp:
9:02:51
